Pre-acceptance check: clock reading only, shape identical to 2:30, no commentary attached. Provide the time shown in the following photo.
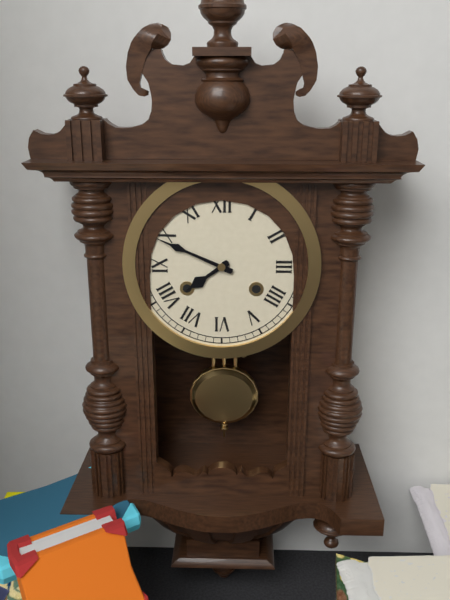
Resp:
7:49
